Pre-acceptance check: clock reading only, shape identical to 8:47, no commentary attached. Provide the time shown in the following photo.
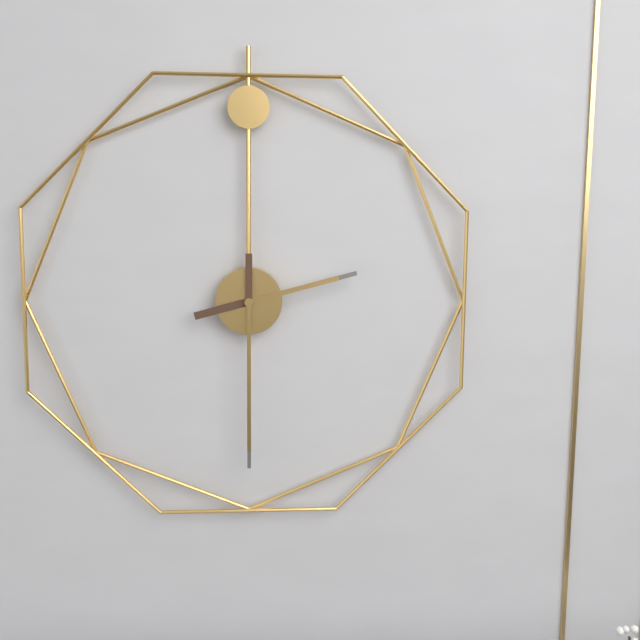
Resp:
2:30
